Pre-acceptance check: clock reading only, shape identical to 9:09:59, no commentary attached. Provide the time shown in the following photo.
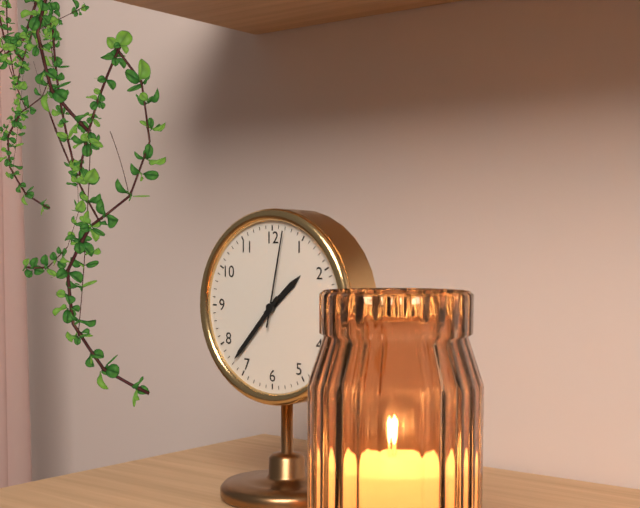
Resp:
1:37:02
